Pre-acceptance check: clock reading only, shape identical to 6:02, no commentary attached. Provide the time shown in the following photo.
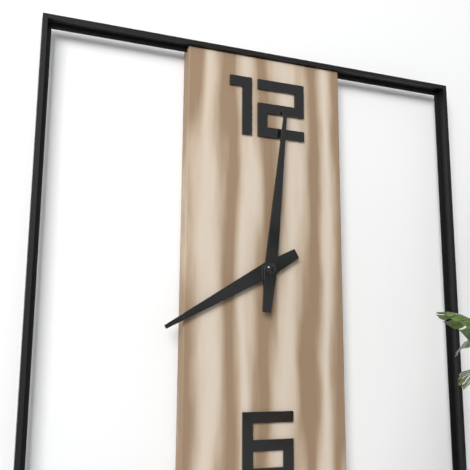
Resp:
8:01
